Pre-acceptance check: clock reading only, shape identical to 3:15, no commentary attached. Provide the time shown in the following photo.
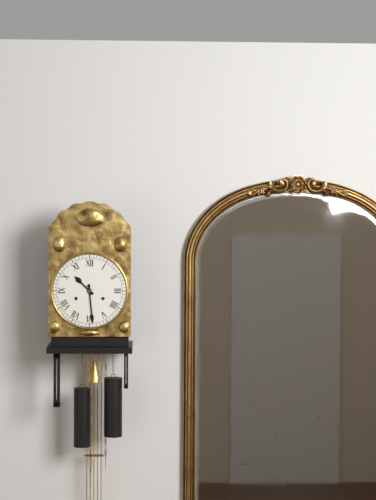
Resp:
10:29
